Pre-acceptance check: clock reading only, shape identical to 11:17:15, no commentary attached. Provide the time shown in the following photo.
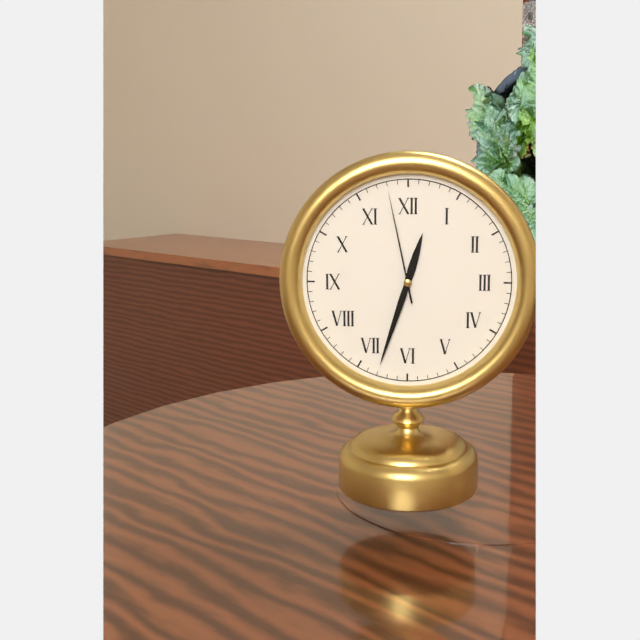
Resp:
12:33:58
